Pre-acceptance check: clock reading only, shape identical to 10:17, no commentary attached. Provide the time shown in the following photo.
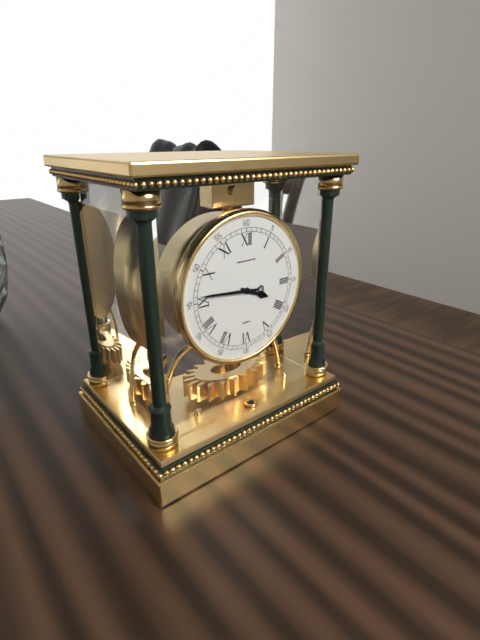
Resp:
3:46
